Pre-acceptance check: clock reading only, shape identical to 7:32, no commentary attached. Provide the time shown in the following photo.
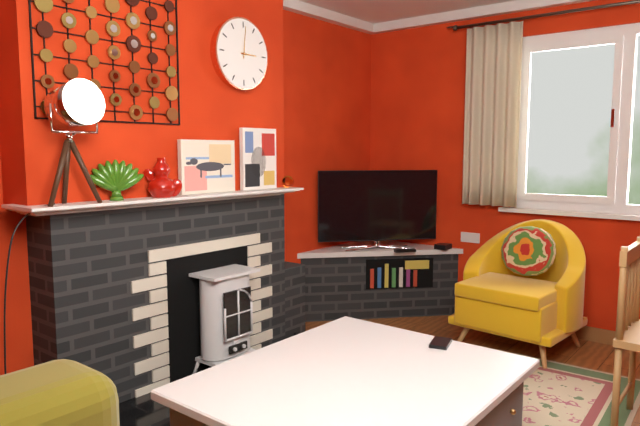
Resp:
3:01
